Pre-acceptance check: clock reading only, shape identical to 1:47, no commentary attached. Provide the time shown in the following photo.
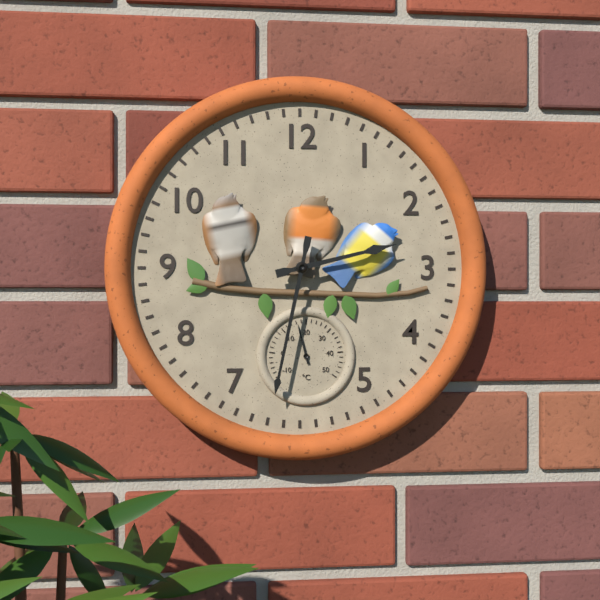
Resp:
2:32
